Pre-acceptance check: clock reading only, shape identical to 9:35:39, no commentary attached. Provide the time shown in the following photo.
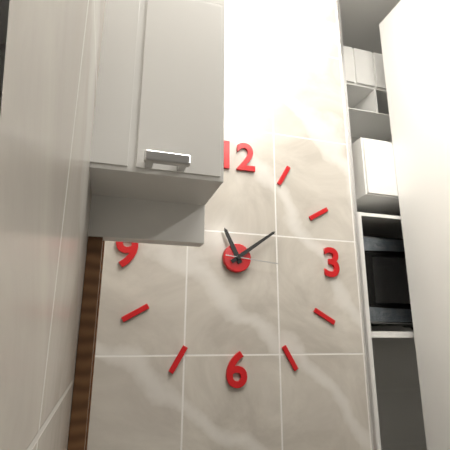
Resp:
11:09:16
